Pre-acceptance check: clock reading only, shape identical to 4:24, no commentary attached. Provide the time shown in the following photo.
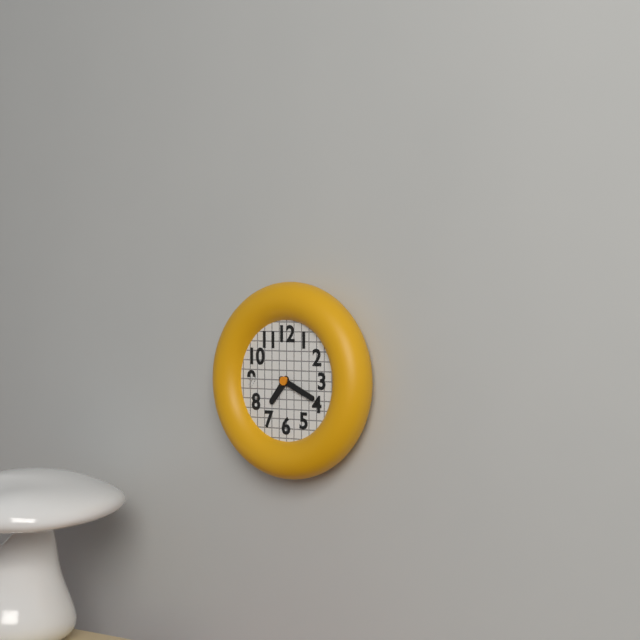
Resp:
7:19
